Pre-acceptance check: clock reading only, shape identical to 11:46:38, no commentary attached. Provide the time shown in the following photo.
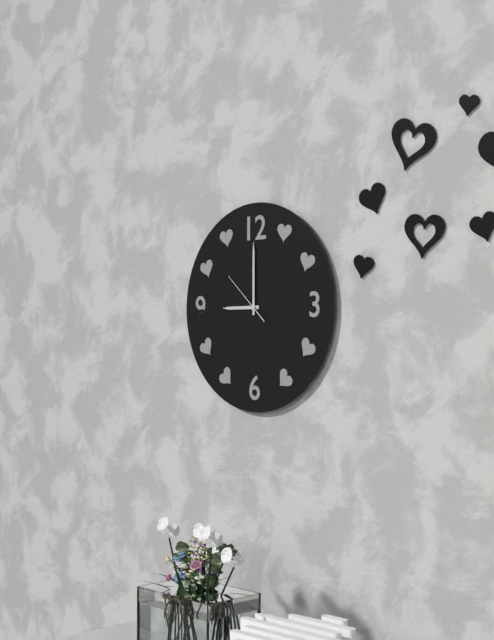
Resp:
9:00:52
